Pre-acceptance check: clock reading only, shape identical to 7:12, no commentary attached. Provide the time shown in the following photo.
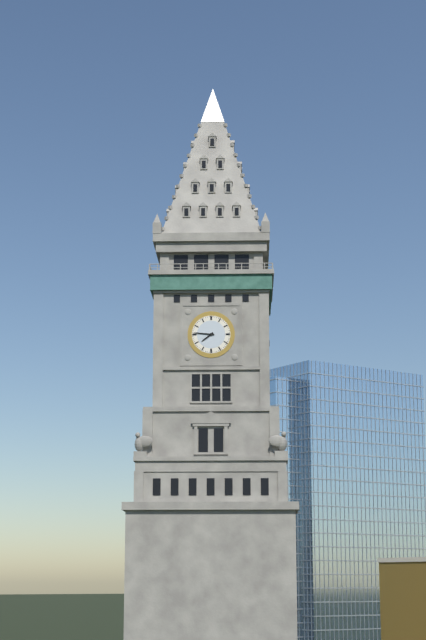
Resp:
7:46
